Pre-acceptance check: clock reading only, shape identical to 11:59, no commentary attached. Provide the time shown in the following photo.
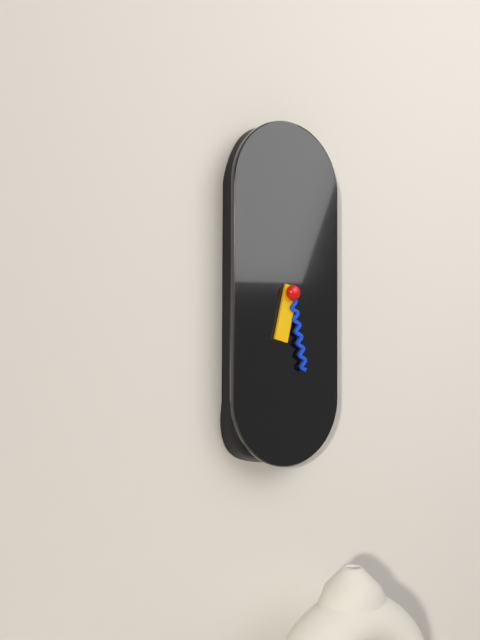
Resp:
6:28
